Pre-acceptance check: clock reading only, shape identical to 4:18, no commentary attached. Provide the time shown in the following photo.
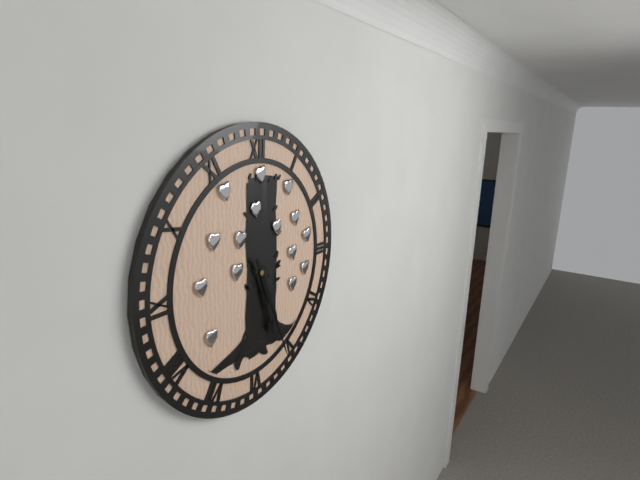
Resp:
5:26
